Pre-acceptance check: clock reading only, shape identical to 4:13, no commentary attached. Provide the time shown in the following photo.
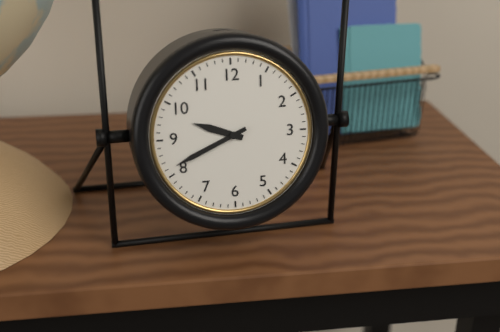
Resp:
9:41
